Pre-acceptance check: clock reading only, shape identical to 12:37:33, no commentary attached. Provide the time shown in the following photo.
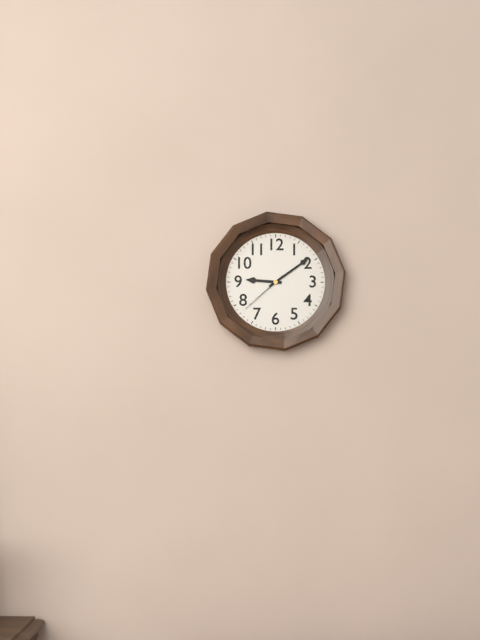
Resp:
9:09:38
